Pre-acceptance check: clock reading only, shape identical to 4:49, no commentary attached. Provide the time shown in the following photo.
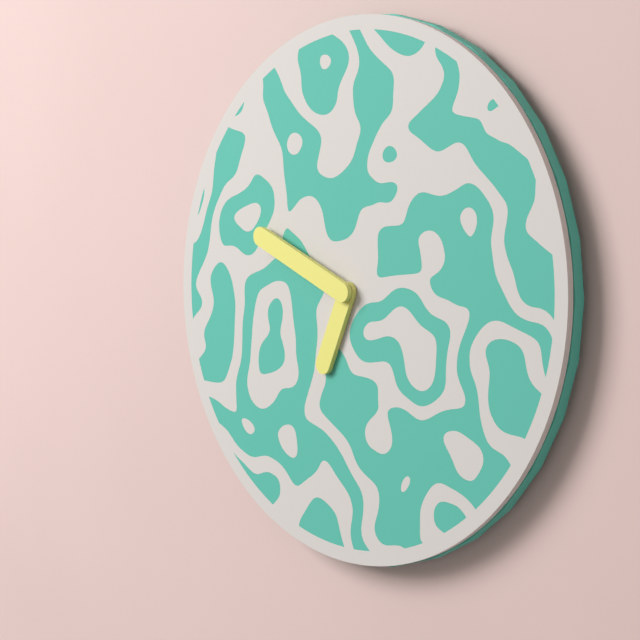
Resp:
6:49
